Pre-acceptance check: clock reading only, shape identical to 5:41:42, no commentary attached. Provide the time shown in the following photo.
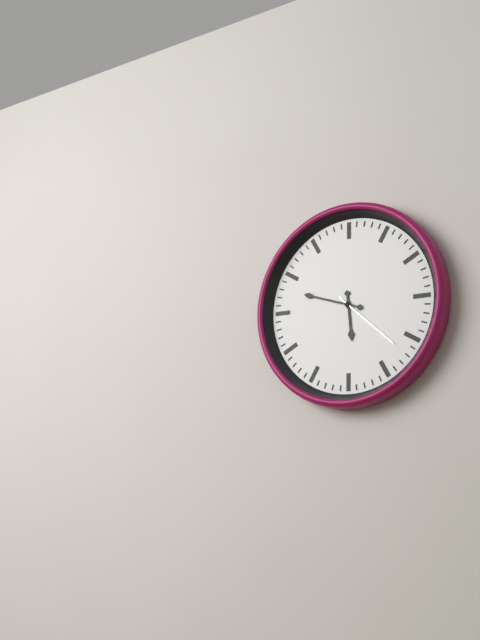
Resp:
5:48:22
